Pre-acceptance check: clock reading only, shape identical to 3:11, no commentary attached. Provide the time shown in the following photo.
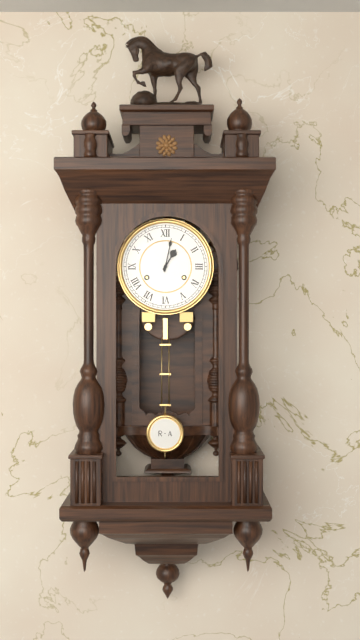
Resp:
1:02
